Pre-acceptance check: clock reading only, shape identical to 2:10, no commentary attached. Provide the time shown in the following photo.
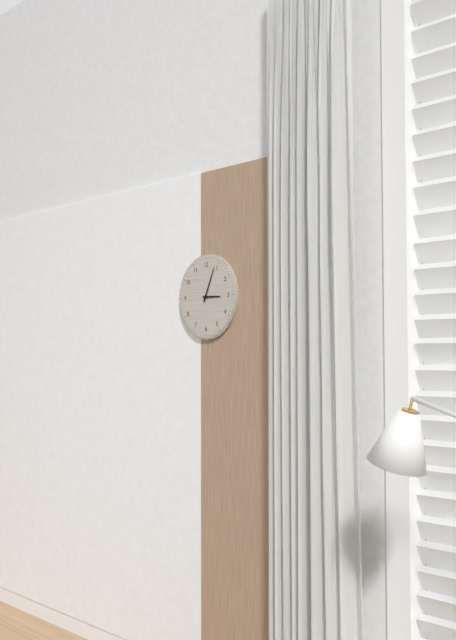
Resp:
3:04
